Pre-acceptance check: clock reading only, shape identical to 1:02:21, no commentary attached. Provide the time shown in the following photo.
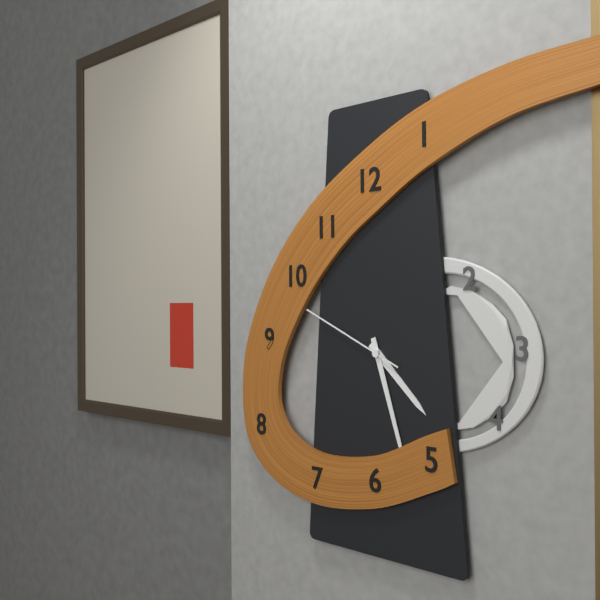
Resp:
4:27:49
